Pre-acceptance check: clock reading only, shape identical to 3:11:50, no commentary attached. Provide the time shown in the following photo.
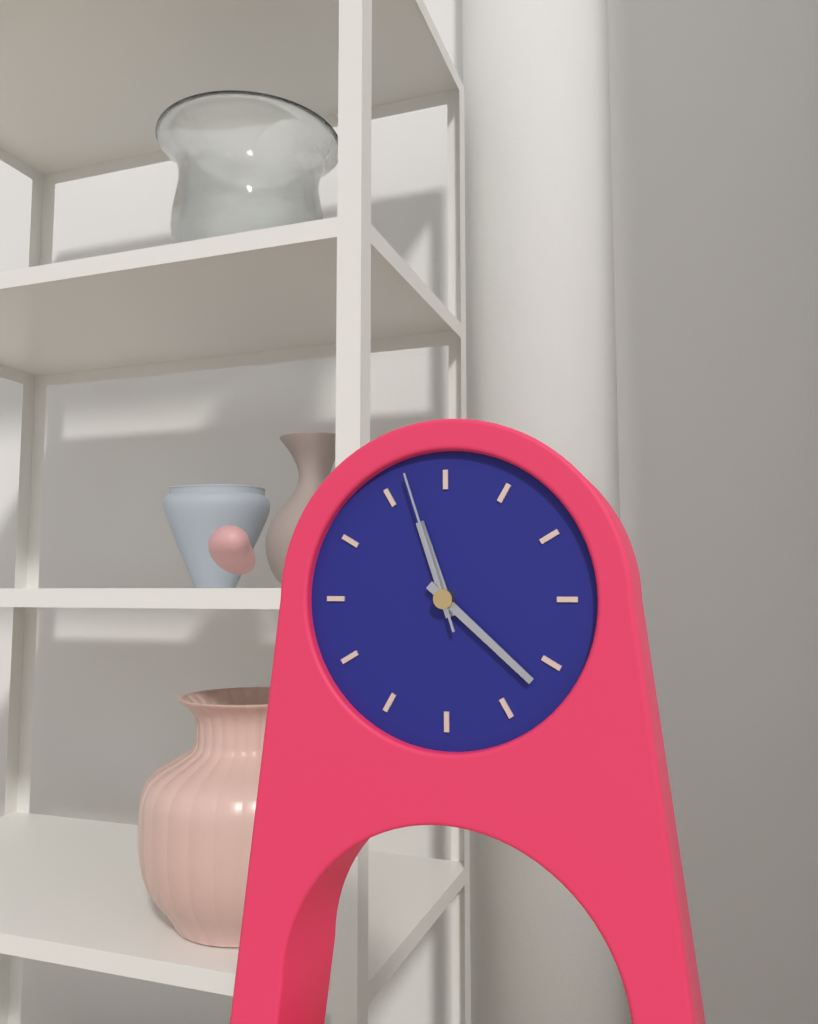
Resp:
11:22:57
